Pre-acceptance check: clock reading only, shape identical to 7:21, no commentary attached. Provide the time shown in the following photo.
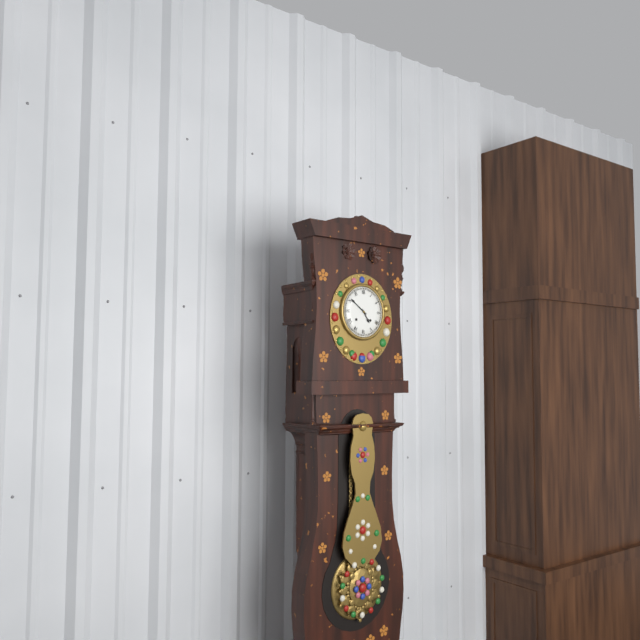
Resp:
4:51
